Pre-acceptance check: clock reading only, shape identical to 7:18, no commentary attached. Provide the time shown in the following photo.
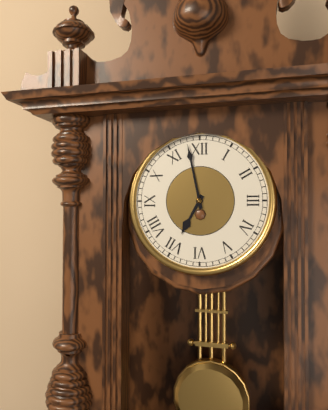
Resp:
6:58
